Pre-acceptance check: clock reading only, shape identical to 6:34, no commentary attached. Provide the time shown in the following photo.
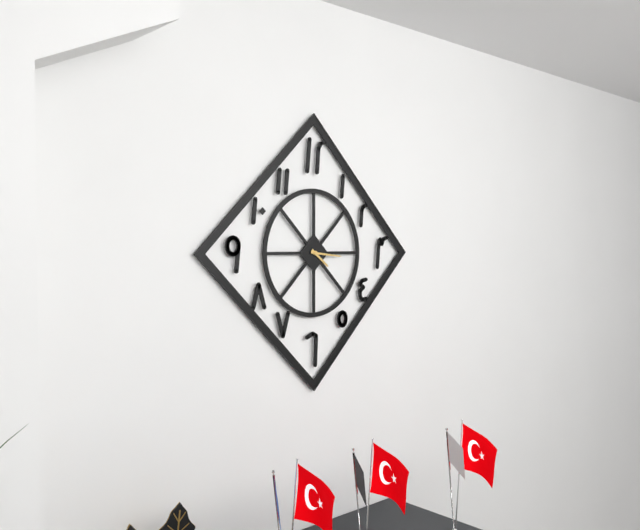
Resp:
4:16
